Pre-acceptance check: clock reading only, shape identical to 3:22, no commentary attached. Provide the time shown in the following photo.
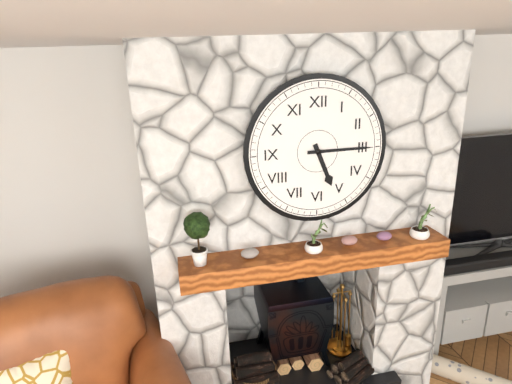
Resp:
5:15
